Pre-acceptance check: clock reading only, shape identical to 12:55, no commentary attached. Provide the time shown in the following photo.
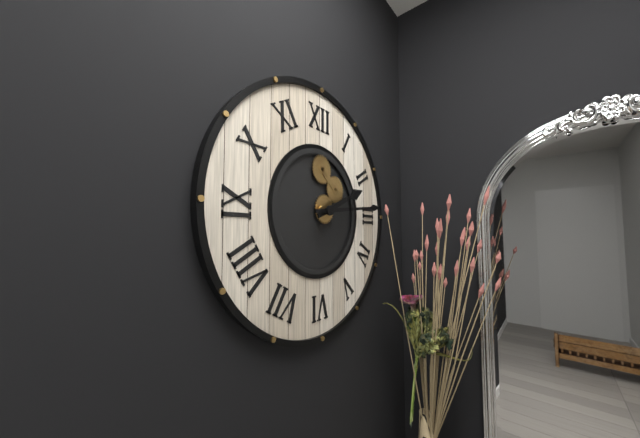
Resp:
2:14
